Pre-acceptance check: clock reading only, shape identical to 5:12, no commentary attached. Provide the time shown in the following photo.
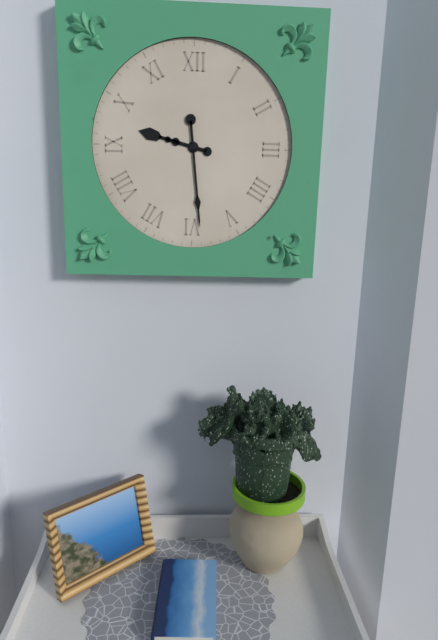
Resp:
9:29
